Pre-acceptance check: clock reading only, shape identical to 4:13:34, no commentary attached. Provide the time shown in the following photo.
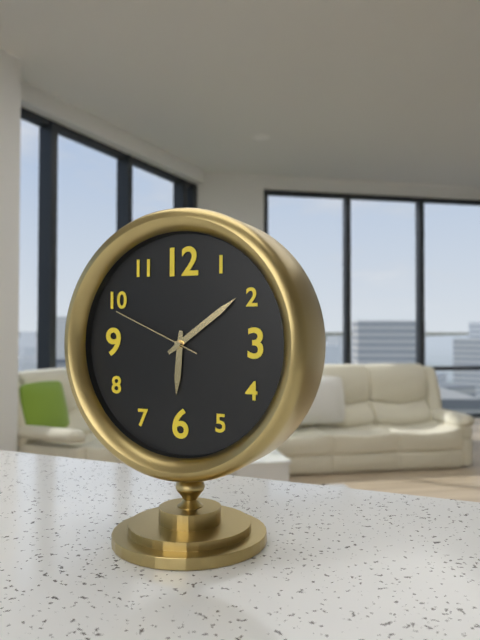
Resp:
6:09:49
